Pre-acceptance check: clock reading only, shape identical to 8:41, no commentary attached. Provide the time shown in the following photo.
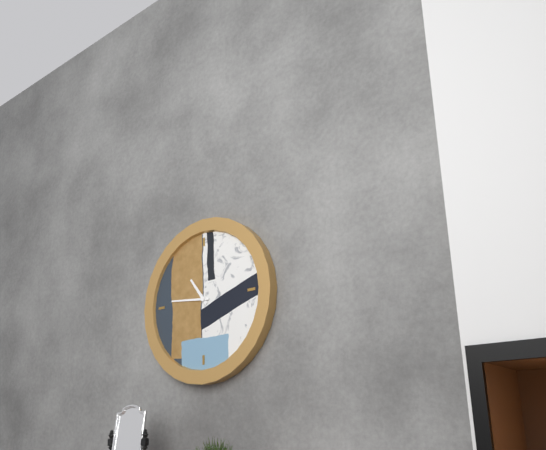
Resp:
10:46
